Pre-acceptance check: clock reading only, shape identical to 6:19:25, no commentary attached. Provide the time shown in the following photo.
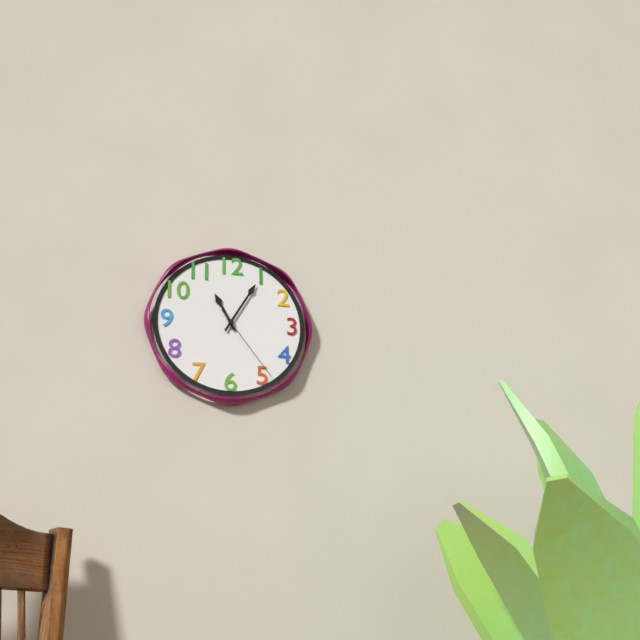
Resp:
11:05:24
